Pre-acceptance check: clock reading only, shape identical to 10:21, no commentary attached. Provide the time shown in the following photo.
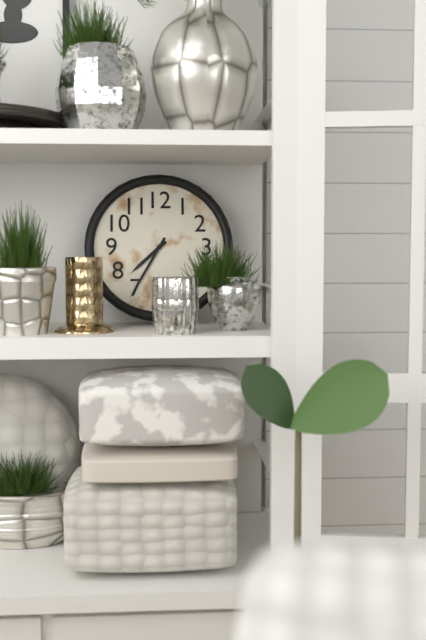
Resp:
7:35
